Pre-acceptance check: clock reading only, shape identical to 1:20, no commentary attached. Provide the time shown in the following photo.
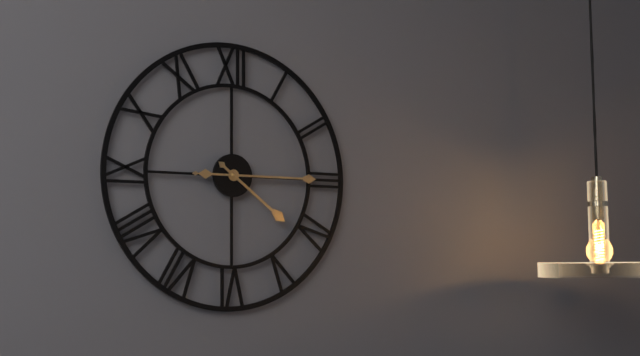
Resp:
4:15
